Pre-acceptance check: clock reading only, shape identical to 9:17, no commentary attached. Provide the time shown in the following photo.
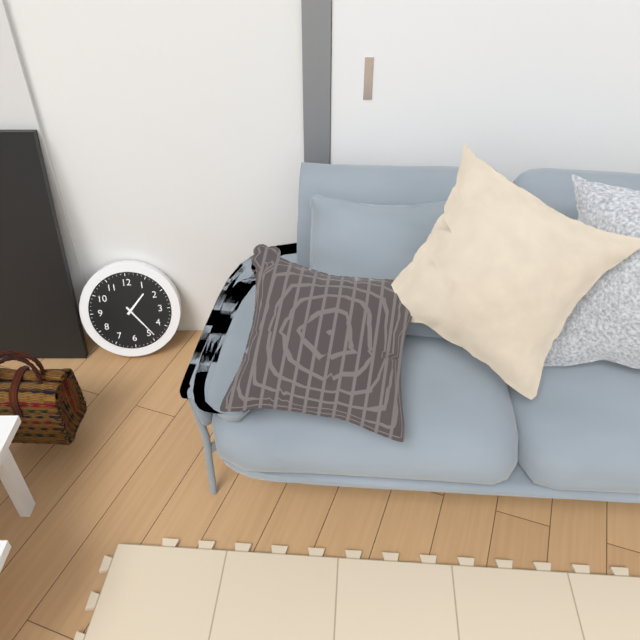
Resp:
1:24
